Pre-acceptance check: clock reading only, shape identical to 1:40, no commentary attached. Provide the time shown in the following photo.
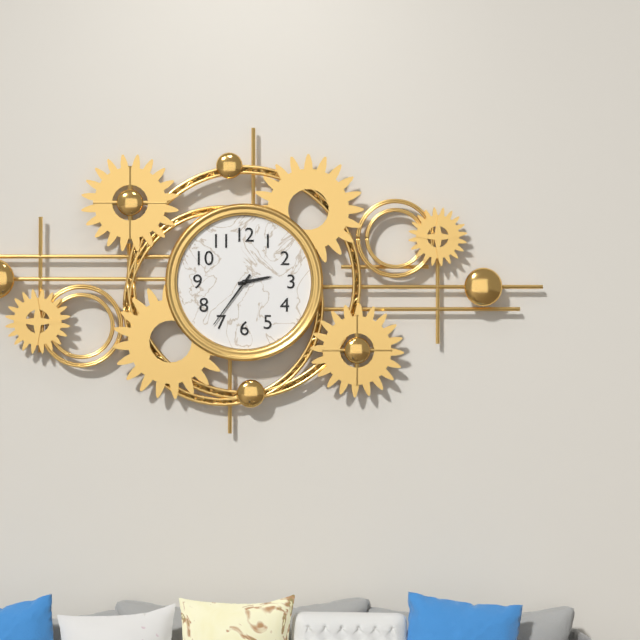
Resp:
2:36
